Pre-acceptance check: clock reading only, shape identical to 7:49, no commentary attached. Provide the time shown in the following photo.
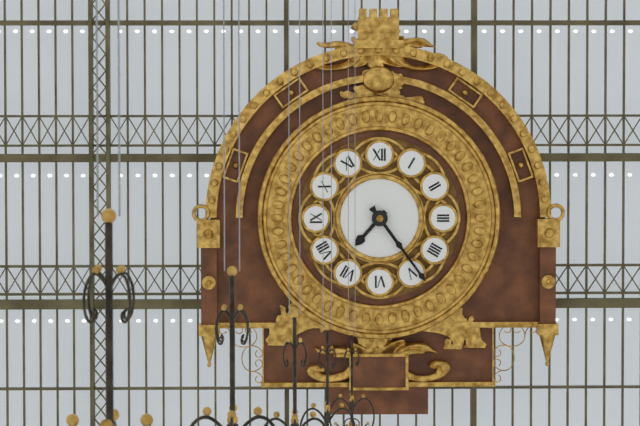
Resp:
7:24
